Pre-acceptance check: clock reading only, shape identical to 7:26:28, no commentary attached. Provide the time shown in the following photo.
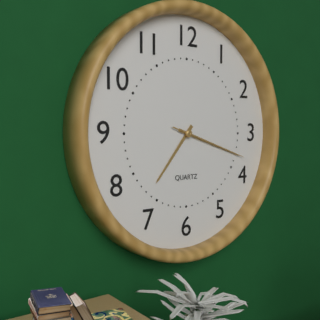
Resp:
7:18:18
